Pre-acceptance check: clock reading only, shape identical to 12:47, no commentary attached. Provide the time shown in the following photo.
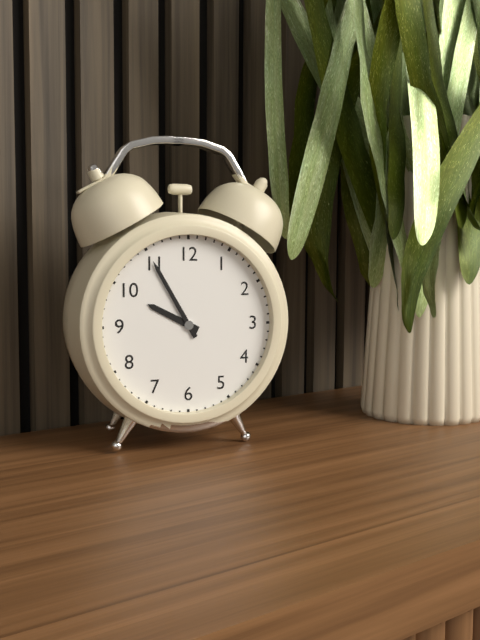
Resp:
9:55
